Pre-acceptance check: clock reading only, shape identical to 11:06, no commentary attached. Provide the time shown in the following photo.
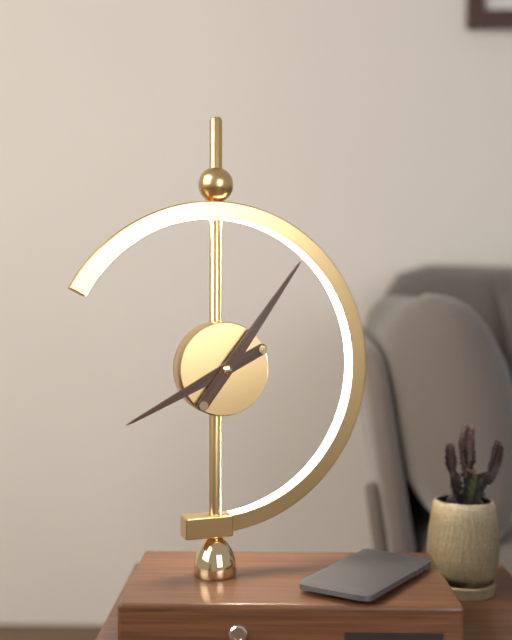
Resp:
8:06
